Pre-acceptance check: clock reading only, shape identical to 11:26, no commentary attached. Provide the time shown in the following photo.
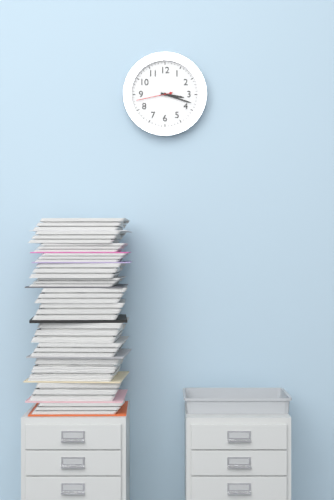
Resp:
3:18
